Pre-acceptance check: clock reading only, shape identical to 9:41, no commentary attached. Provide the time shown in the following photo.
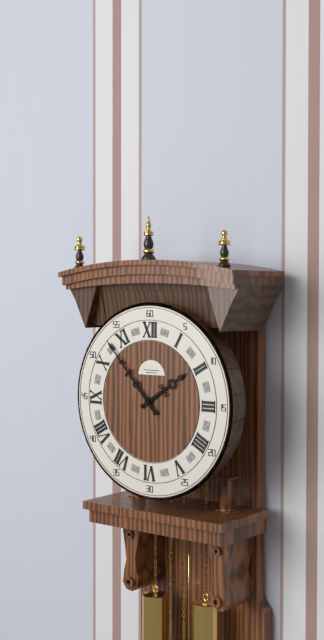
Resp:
1:53
